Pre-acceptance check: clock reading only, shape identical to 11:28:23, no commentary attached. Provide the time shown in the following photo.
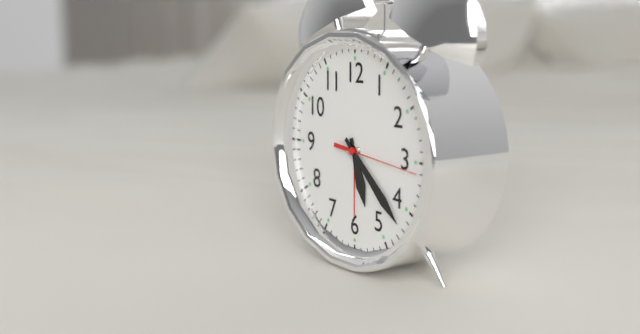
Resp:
5:22:16
